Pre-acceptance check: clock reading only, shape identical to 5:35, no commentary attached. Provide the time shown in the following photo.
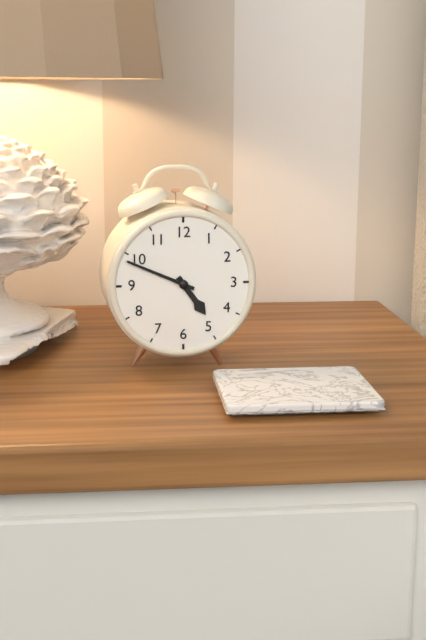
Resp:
4:49
